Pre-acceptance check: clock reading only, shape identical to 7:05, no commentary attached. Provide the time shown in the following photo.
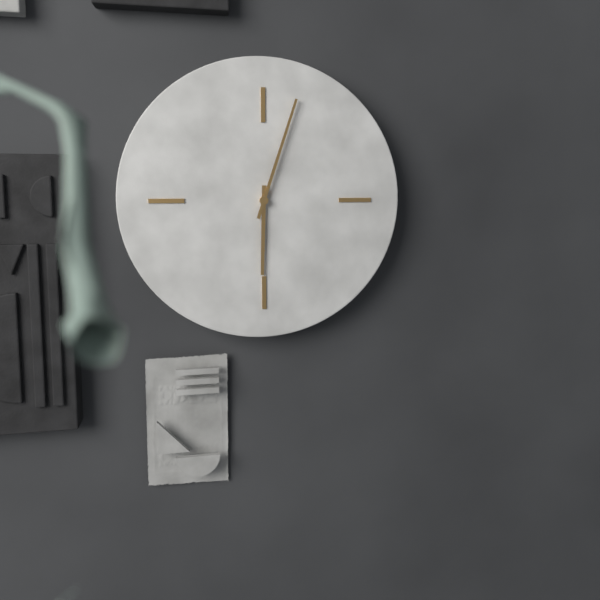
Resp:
6:03
